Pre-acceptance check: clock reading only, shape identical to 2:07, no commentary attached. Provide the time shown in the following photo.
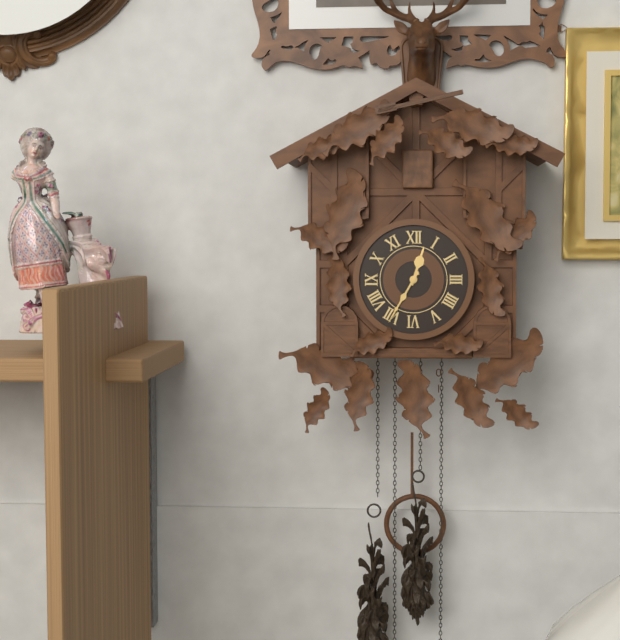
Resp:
12:35
